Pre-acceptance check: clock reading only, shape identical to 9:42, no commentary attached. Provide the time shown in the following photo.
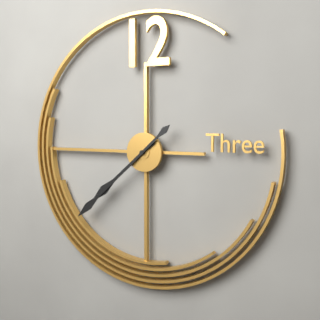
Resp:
7:38
